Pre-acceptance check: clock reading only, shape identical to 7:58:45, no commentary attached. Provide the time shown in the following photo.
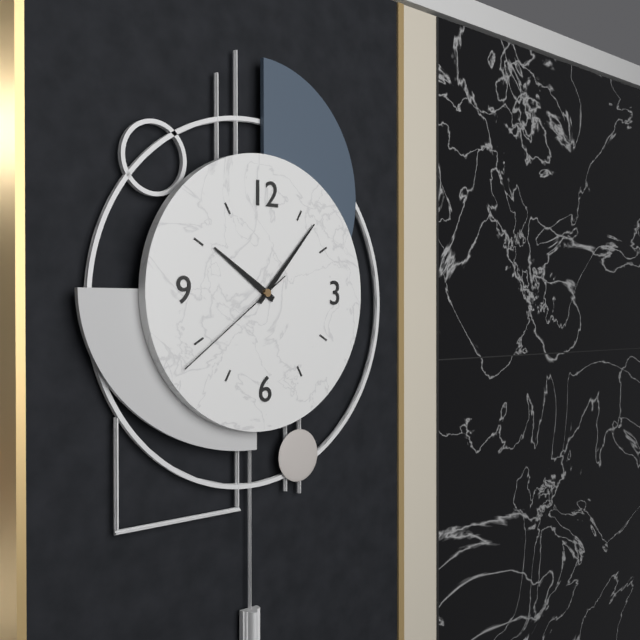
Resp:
10:07:39
